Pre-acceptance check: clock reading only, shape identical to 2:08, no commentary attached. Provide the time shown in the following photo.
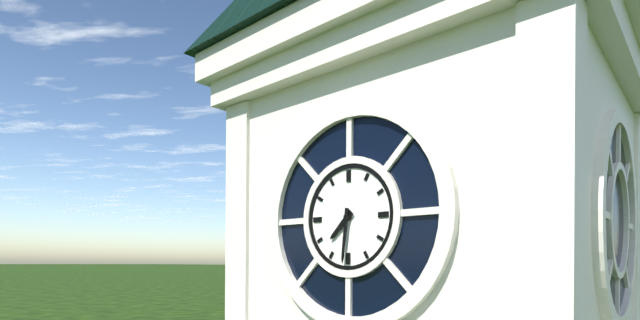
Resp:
7:31
